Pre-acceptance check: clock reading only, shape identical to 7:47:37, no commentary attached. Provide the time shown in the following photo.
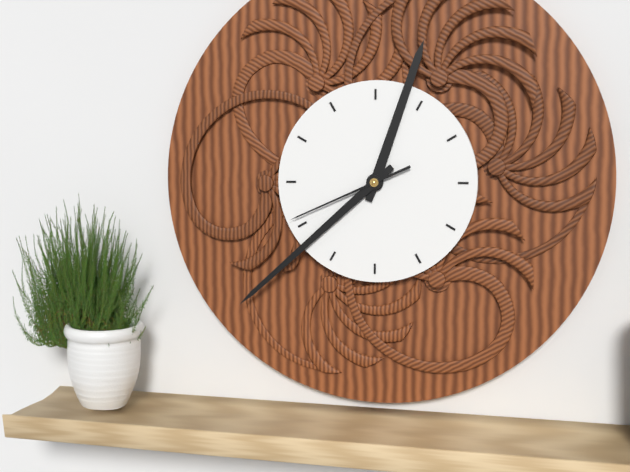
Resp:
12:38:41
